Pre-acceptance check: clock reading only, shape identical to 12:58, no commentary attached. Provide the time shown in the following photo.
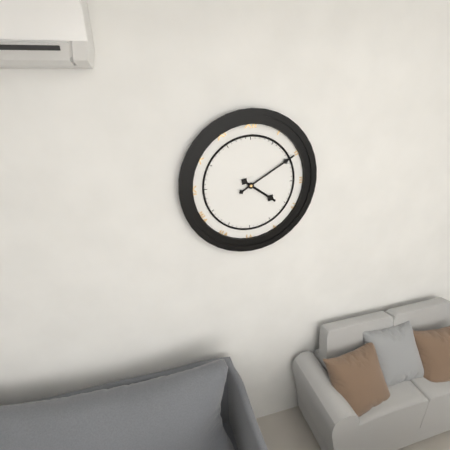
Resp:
4:10
